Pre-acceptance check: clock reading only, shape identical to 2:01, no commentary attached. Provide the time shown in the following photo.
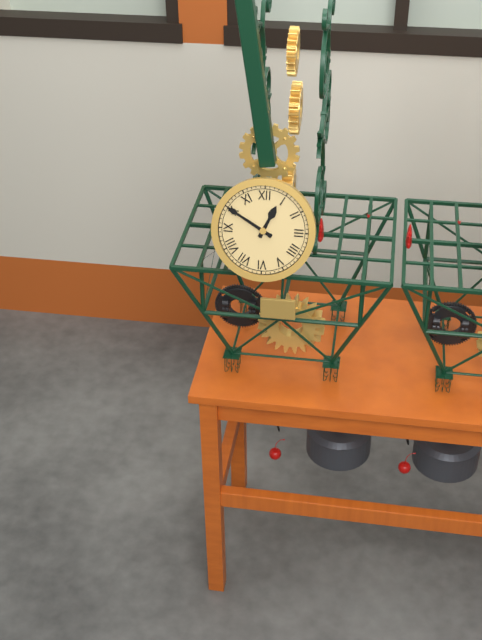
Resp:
12:50
